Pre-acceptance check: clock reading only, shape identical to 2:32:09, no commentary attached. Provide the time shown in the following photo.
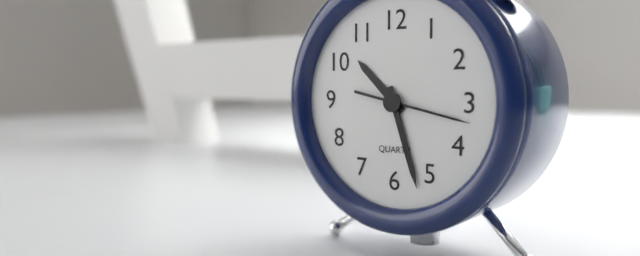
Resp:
10:27:17
